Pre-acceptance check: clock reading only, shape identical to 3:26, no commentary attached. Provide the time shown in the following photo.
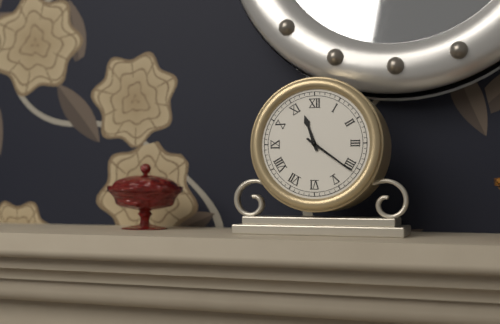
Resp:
11:21
